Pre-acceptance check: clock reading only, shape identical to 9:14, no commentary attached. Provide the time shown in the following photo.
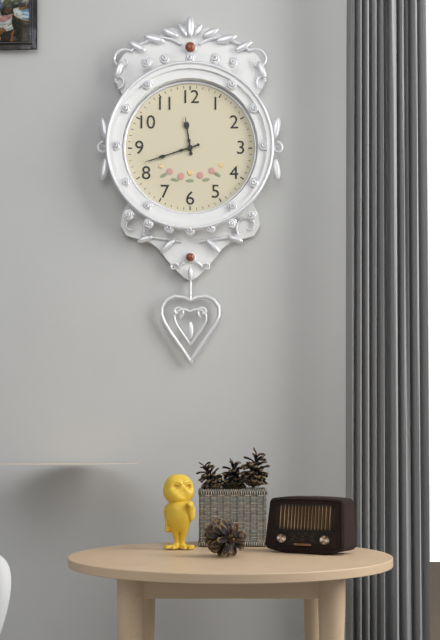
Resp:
11:42
